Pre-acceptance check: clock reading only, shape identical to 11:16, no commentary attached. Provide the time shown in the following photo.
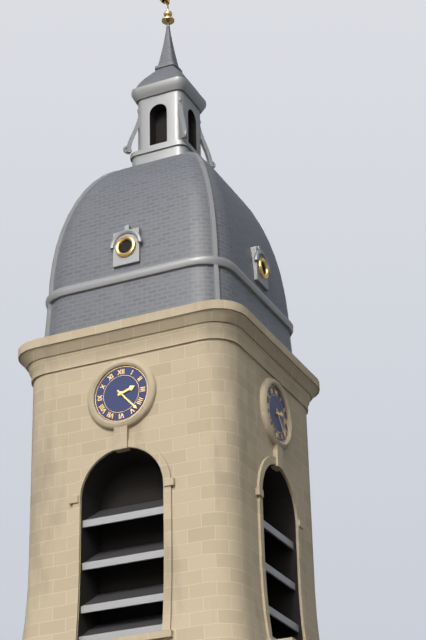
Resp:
2:23
